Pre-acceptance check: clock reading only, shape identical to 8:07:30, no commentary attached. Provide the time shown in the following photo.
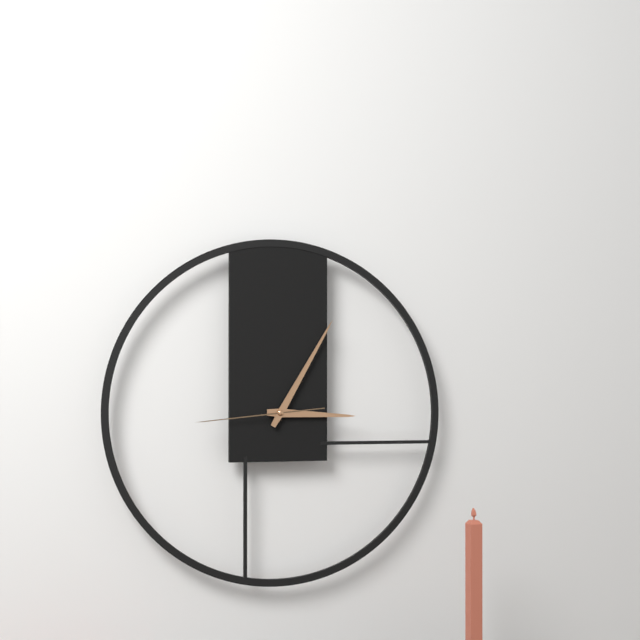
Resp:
3:05:44
